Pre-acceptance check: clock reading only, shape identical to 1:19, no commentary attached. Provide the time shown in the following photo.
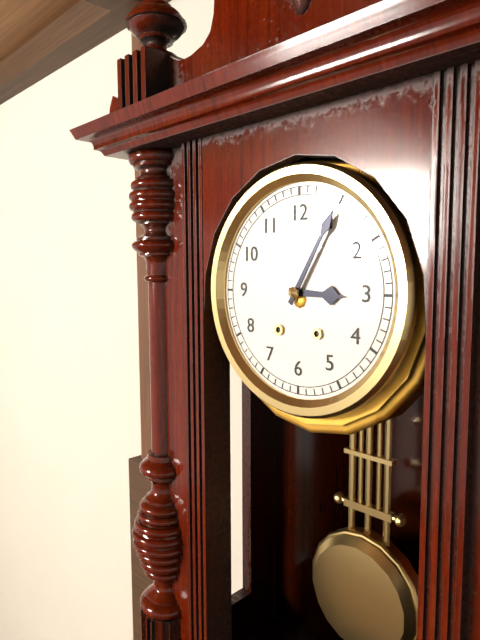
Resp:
3:05
